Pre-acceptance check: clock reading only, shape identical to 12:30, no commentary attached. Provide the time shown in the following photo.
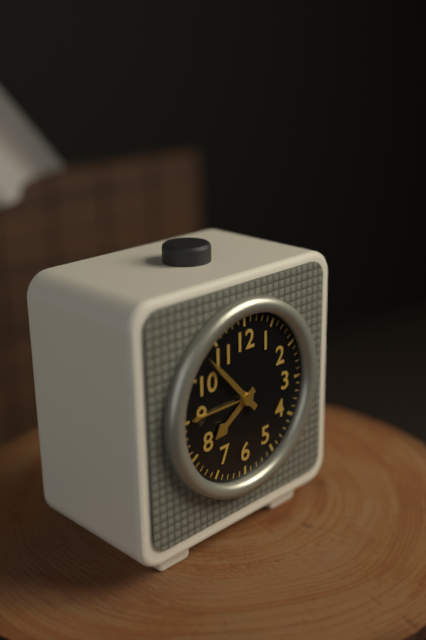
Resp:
7:53
